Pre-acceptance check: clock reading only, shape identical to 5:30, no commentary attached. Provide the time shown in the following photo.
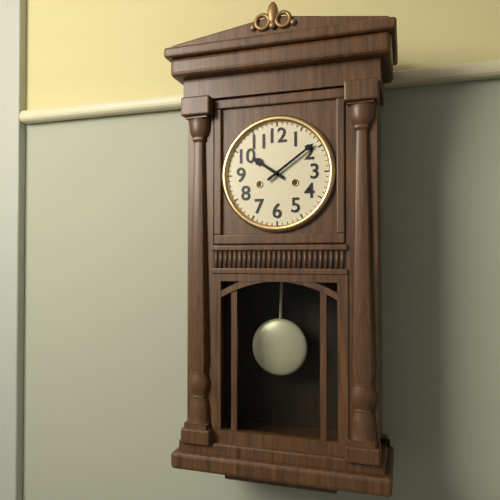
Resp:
10:09
